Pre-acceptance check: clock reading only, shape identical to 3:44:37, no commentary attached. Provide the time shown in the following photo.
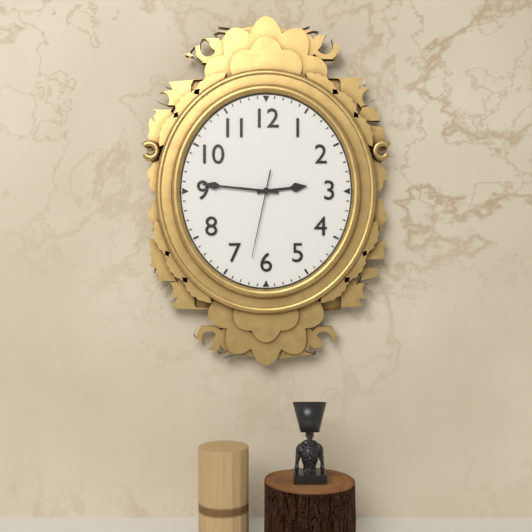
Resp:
2:46:32
